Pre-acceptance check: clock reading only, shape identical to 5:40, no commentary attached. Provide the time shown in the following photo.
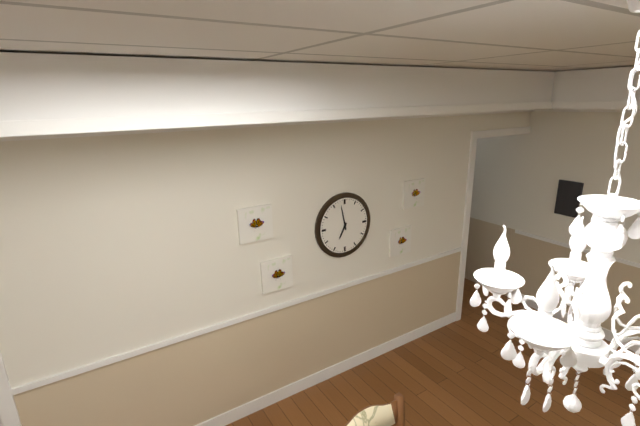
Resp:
6:58
